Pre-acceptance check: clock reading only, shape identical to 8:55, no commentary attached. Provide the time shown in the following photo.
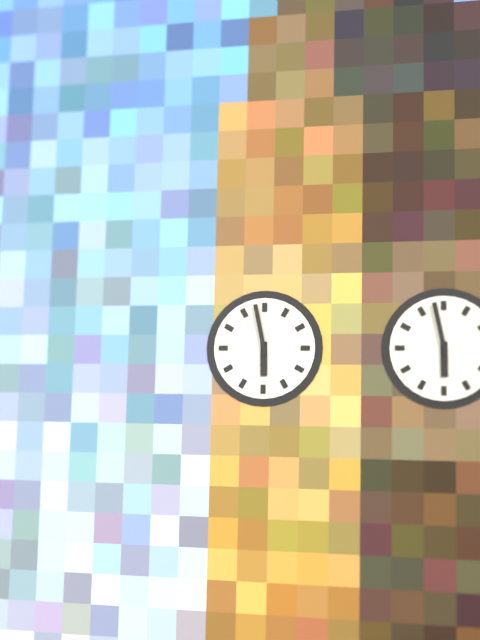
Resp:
5:58
